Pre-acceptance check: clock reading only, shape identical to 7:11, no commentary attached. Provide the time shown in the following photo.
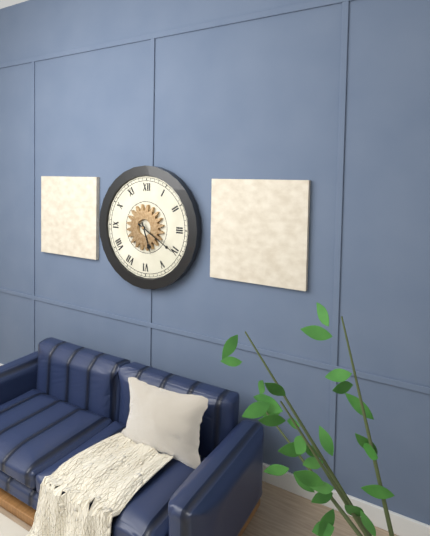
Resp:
5:20
